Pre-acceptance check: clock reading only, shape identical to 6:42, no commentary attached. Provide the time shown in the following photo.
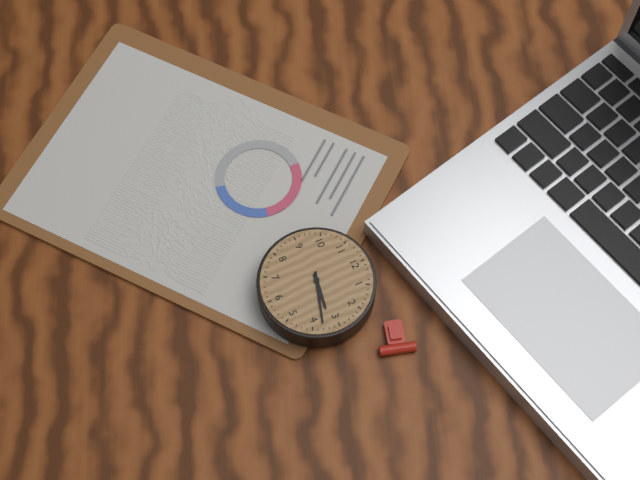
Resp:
3:18
